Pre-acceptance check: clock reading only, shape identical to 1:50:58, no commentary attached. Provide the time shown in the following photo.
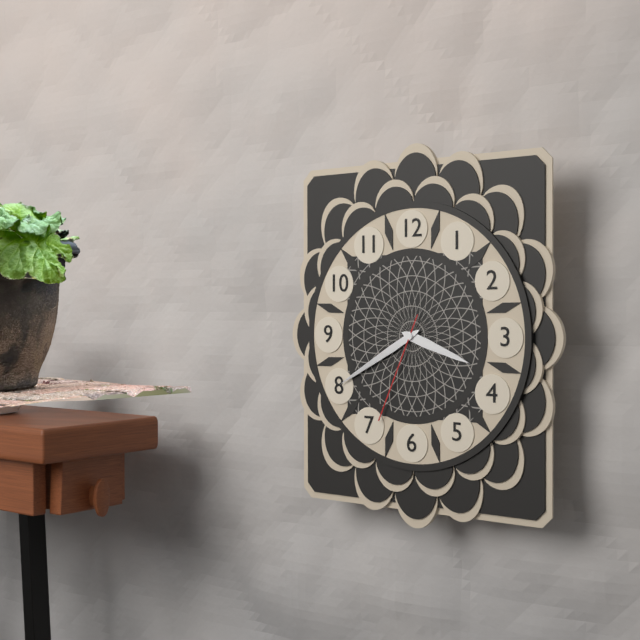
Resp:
3:40:34
